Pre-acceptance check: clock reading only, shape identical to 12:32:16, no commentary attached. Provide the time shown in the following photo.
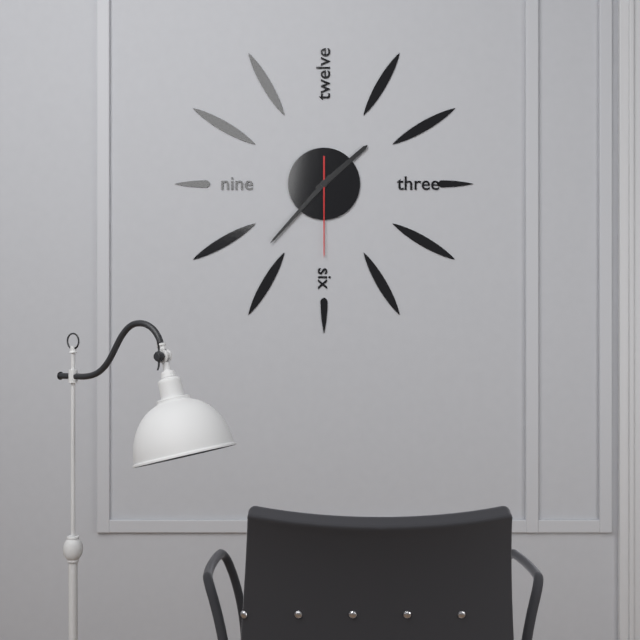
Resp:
1:37:30
